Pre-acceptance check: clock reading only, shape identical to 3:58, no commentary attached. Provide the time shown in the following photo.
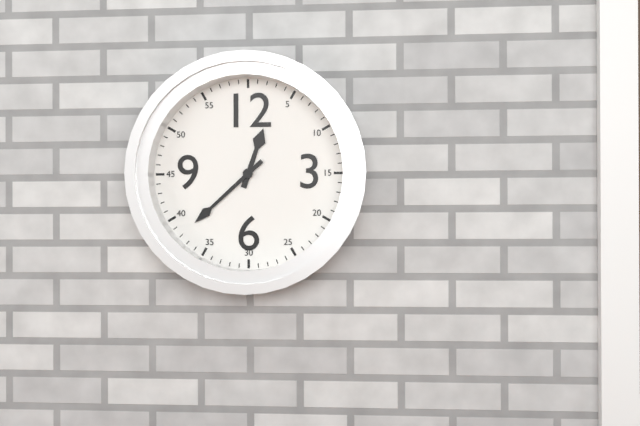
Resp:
12:38
